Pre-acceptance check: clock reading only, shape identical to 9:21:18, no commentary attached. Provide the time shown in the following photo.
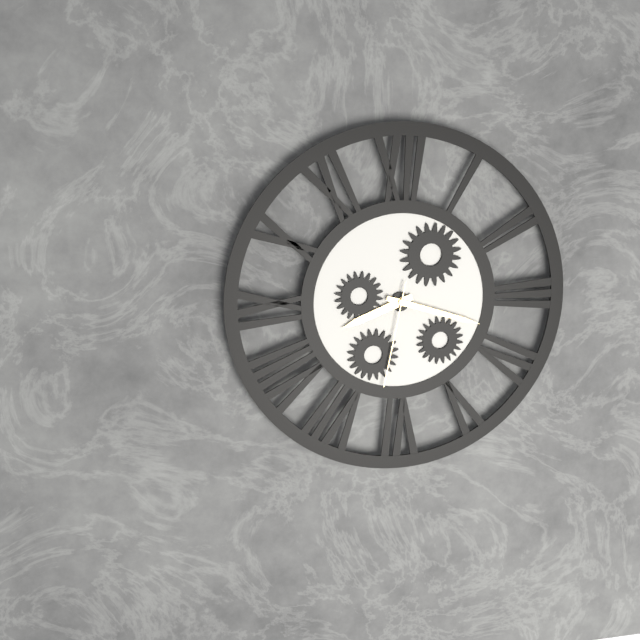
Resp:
8:18:32
